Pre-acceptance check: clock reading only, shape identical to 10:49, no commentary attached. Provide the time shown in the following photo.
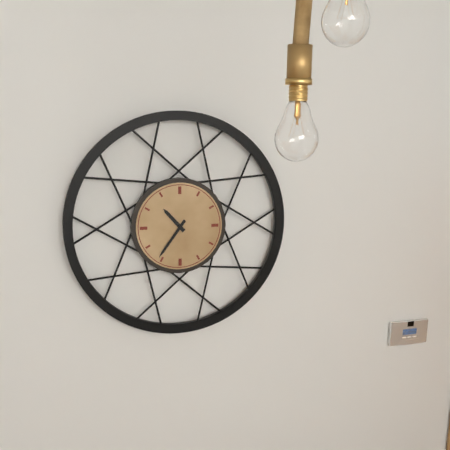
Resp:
10:36
